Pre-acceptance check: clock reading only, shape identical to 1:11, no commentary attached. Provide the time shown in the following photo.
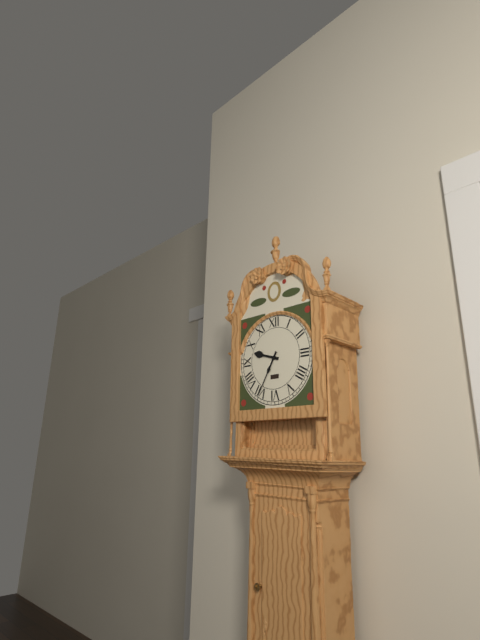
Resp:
9:35
